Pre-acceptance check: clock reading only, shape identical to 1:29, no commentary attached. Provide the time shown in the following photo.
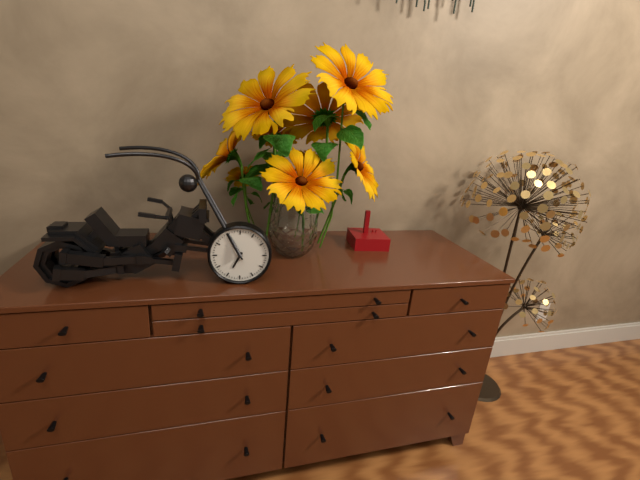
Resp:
6:55
